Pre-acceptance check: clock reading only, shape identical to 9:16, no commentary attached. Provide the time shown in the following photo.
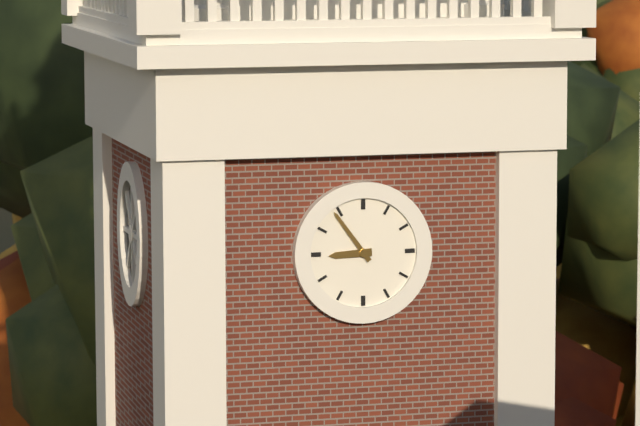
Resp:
8:54
